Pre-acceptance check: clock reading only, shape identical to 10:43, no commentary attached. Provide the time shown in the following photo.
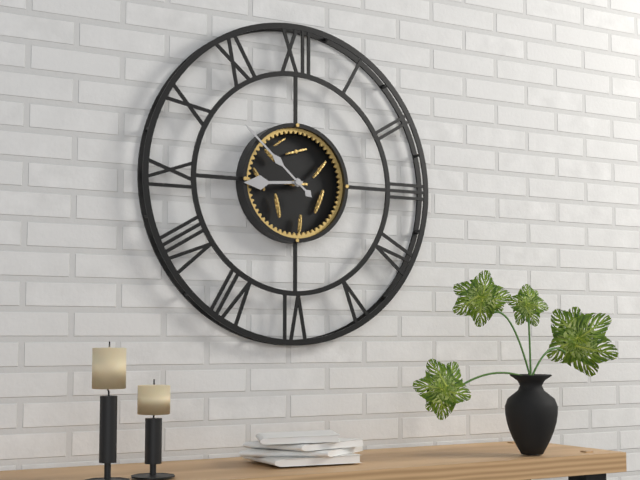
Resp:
8:52
